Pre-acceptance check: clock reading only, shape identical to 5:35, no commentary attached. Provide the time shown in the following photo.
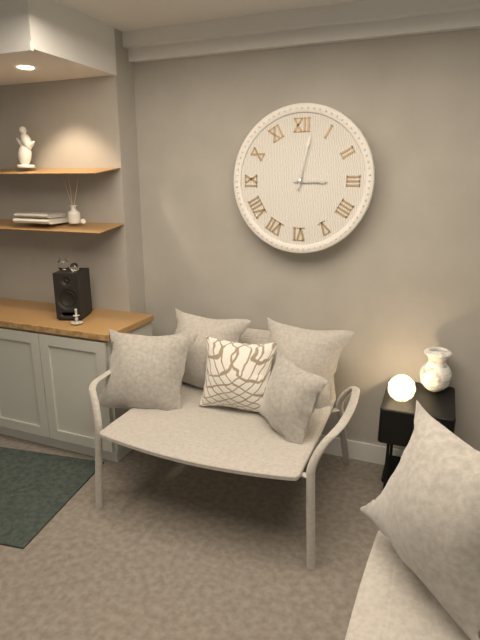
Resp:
3:02
